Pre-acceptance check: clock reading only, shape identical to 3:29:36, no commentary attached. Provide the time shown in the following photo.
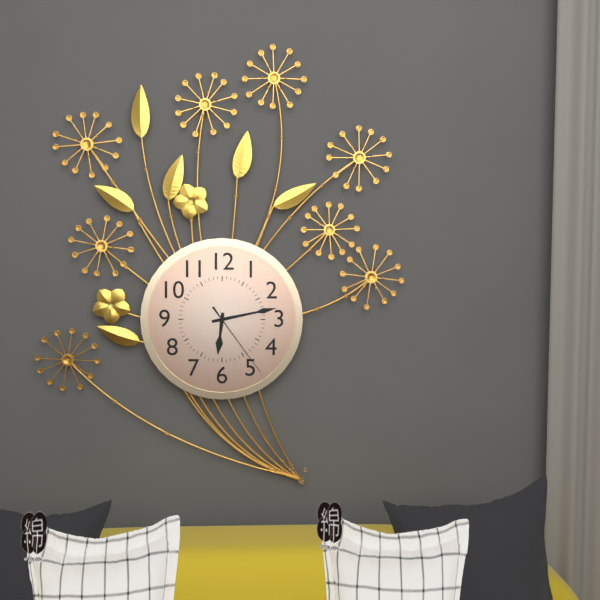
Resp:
6:13:24
